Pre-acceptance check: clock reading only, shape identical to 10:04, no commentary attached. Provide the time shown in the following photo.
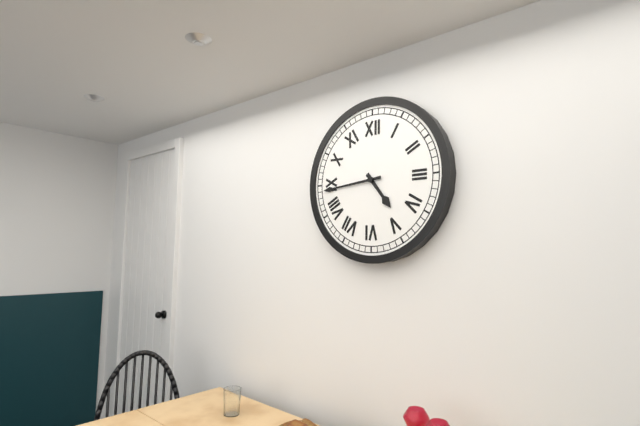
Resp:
4:44
